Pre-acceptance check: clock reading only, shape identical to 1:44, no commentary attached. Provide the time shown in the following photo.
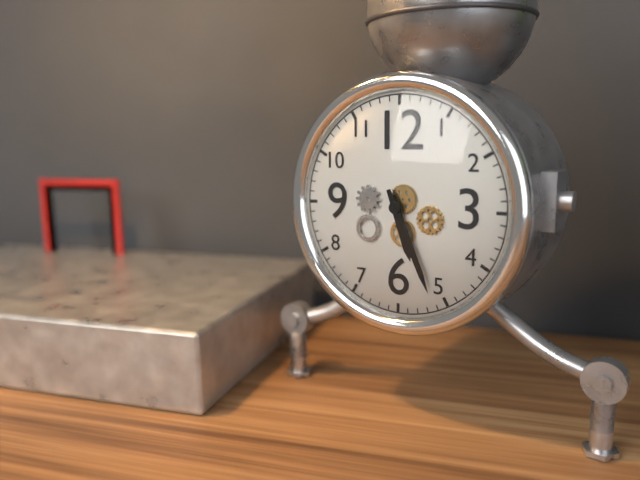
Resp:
5:26
